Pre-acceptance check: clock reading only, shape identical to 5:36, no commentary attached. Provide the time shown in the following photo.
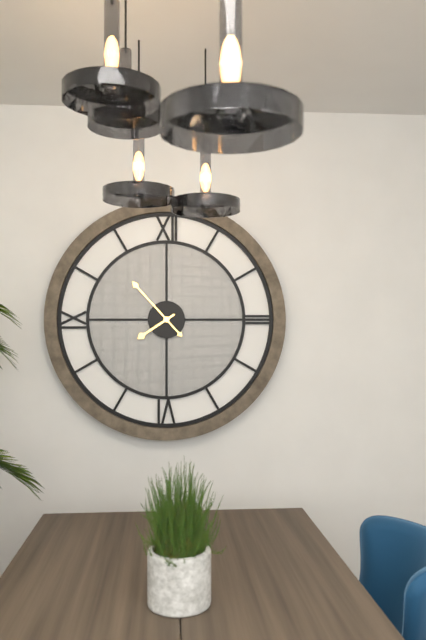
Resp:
7:53
